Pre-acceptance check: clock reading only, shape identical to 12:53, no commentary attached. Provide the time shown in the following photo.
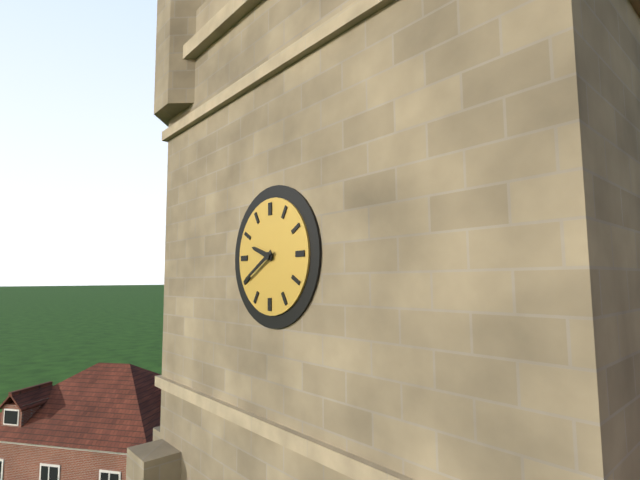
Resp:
9:40
